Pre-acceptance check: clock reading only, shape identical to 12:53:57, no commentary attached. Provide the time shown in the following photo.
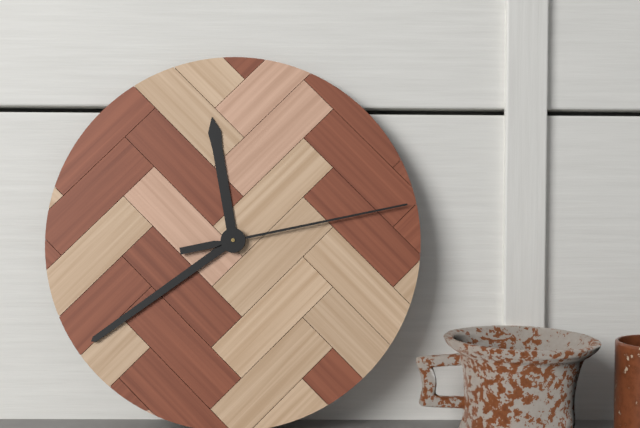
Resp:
11:39:13
